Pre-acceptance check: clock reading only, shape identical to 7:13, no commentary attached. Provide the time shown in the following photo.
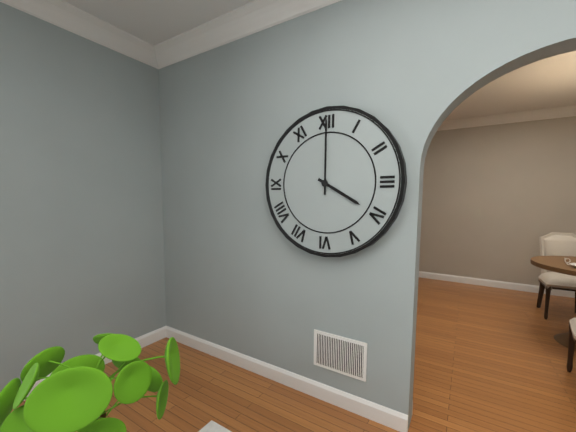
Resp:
4:00
